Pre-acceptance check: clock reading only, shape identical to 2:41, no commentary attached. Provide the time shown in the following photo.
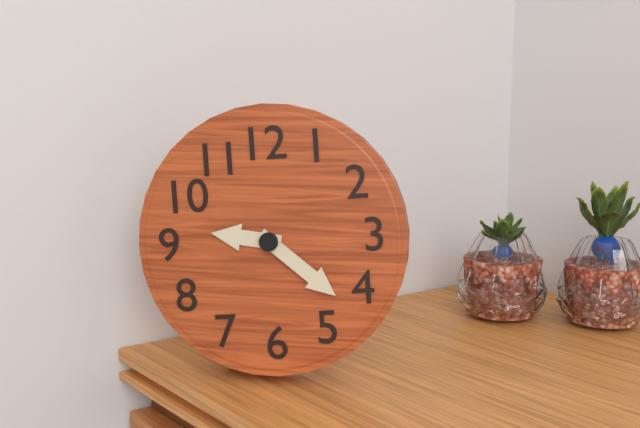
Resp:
9:22
